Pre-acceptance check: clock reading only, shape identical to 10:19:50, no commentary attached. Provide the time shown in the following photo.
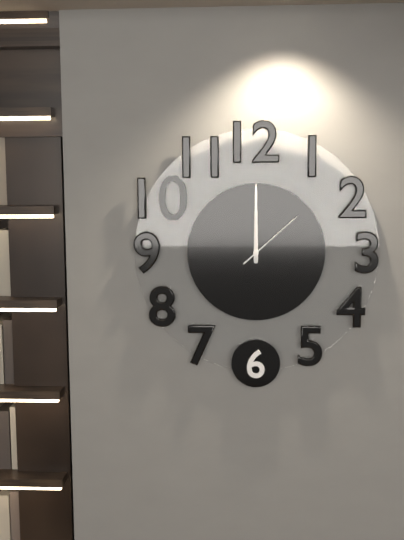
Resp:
12:00:08
